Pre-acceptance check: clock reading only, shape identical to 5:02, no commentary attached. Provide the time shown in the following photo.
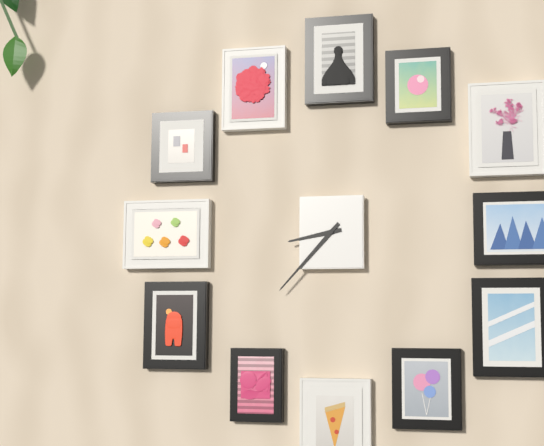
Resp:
8:37
